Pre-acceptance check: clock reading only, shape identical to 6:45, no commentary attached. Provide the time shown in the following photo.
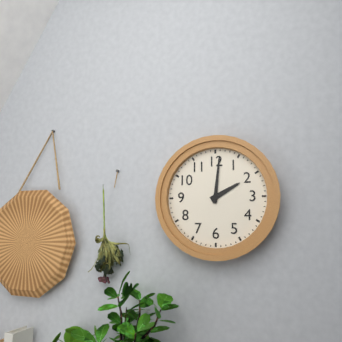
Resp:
2:01
